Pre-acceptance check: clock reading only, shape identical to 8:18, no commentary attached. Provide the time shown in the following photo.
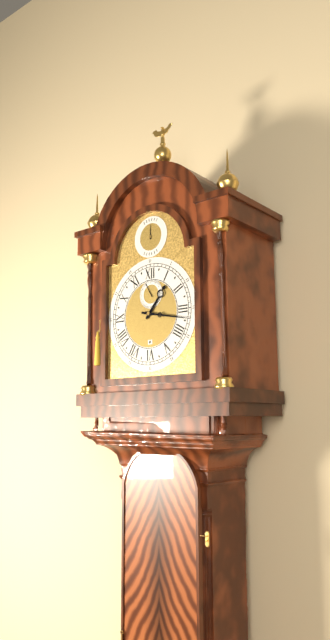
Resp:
1:17
